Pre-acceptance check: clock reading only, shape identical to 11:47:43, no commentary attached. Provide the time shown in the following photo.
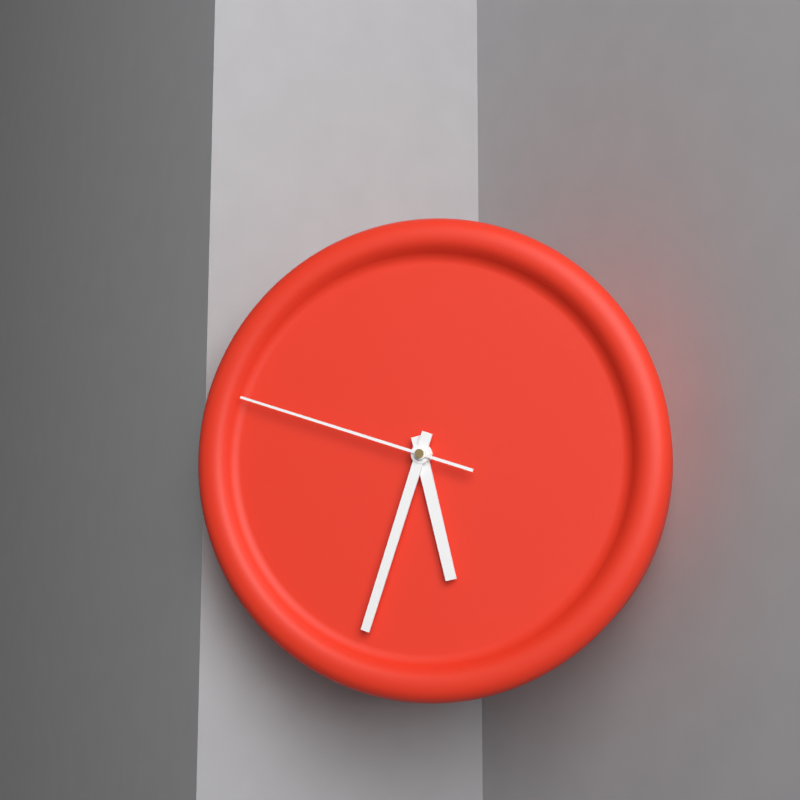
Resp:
5:33:48
